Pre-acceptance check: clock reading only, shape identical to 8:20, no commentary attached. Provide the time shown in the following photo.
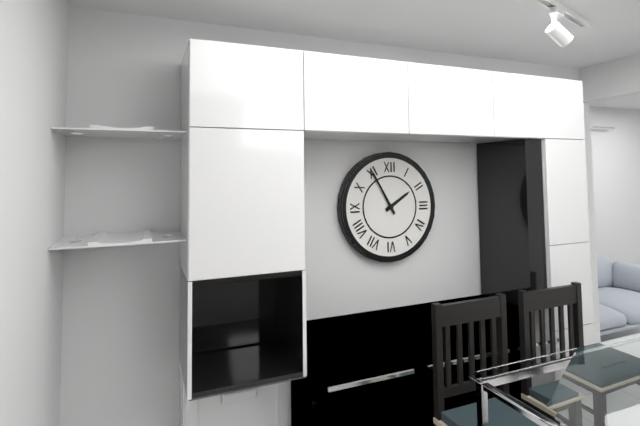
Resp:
1:55
